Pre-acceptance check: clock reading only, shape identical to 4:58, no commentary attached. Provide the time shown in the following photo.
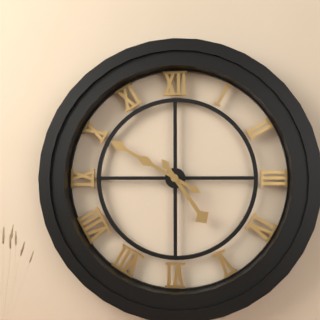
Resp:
4:50
